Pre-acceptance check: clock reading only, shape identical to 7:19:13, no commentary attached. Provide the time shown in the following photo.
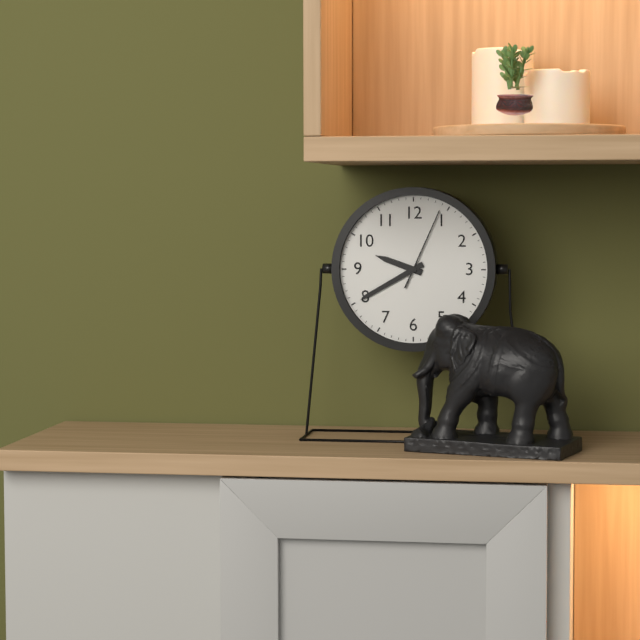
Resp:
9:40:04
